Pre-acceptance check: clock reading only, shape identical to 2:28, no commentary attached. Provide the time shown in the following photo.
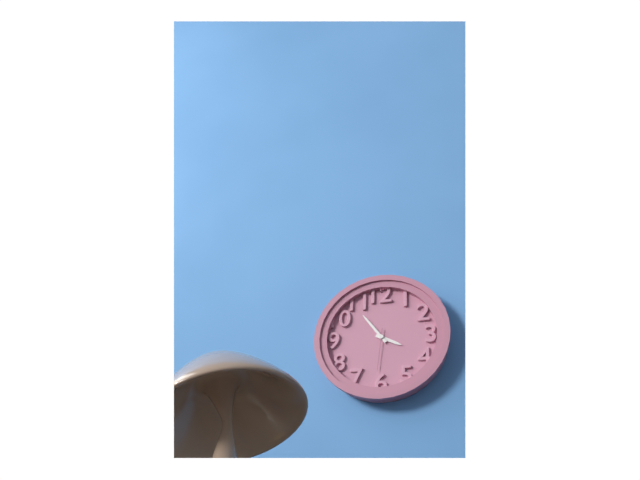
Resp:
3:54
